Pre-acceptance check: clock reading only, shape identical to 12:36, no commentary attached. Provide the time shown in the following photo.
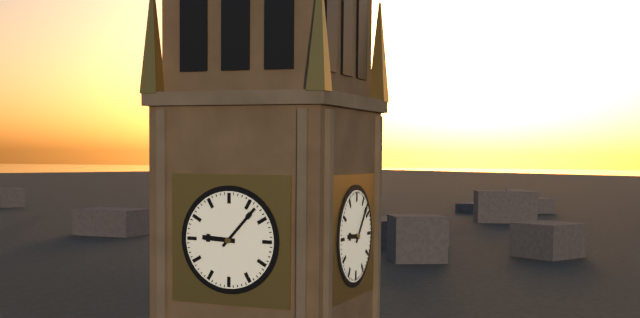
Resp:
9:07
